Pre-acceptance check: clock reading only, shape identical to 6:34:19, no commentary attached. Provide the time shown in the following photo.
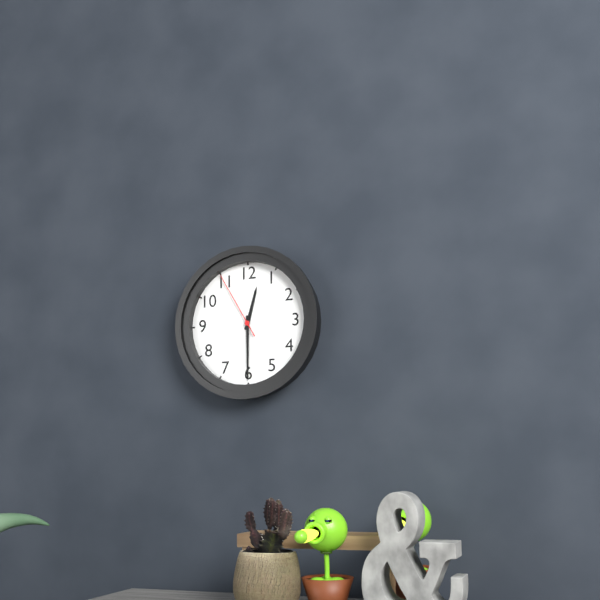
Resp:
12:30:55
